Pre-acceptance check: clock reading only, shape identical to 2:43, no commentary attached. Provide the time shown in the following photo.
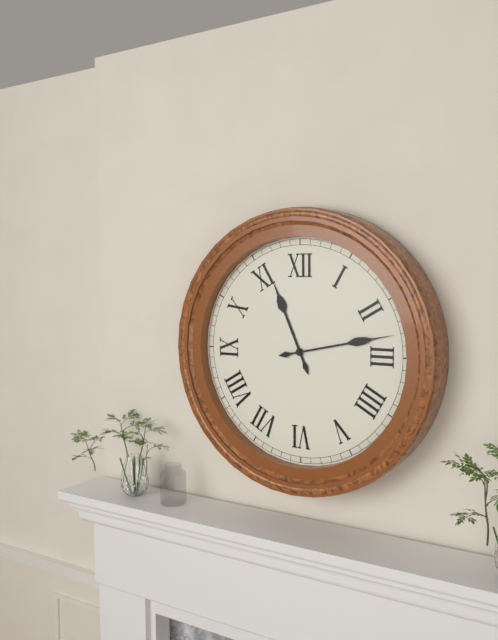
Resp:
11:13
